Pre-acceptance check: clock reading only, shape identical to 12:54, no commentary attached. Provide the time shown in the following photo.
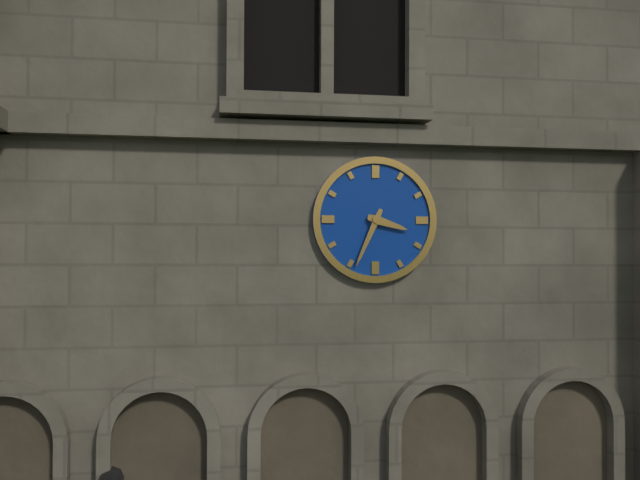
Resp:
3:34
